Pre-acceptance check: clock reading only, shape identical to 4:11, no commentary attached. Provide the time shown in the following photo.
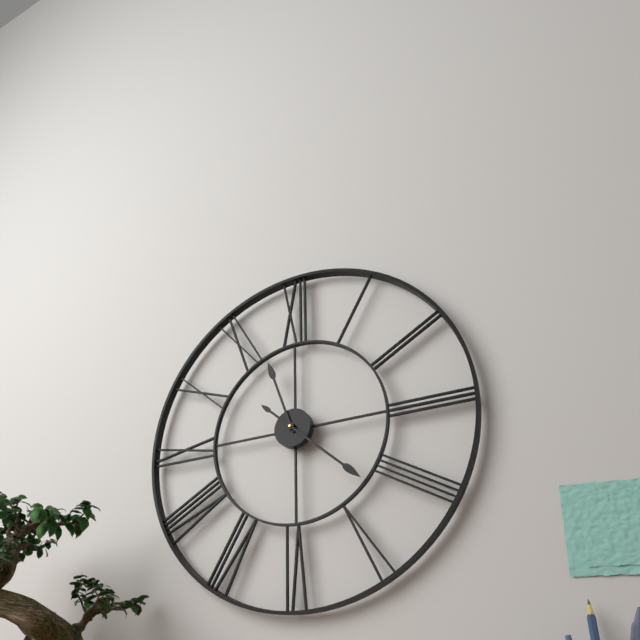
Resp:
11:22
